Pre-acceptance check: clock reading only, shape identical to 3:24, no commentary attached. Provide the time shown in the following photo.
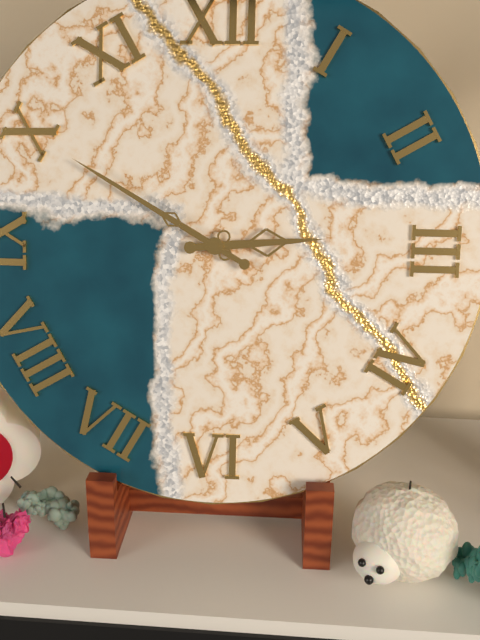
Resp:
2:50
